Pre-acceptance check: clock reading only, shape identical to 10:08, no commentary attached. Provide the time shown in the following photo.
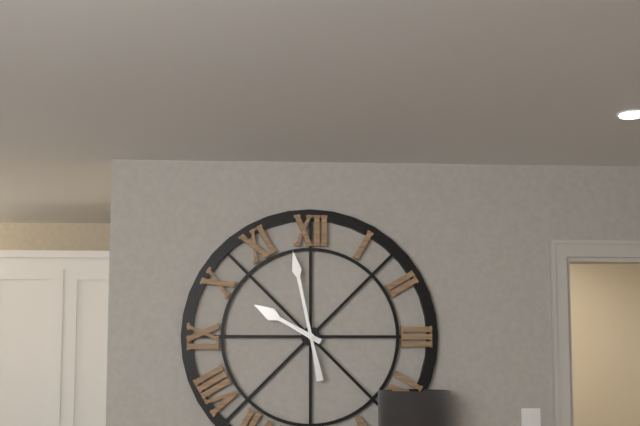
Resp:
9:58
